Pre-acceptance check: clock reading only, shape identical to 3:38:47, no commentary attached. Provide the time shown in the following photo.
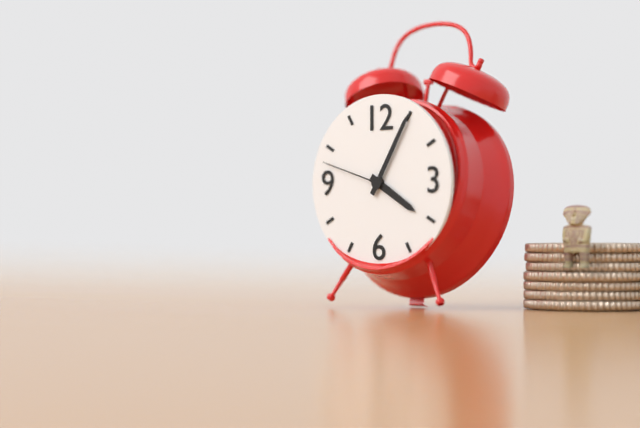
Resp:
4:05:48
